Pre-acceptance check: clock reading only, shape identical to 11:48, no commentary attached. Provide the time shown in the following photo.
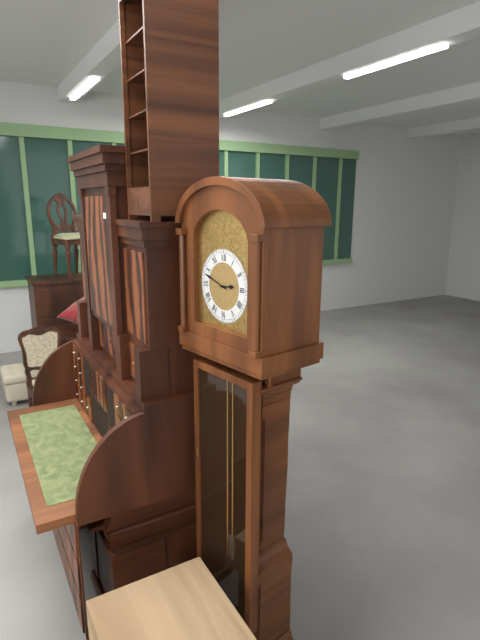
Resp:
2:48
